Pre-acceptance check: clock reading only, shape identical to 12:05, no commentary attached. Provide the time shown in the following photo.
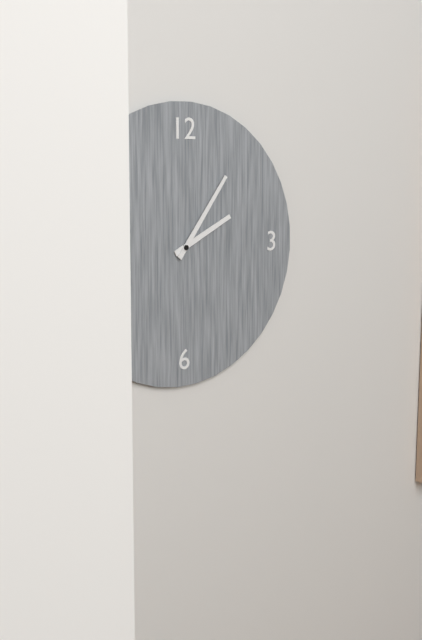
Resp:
2:06
